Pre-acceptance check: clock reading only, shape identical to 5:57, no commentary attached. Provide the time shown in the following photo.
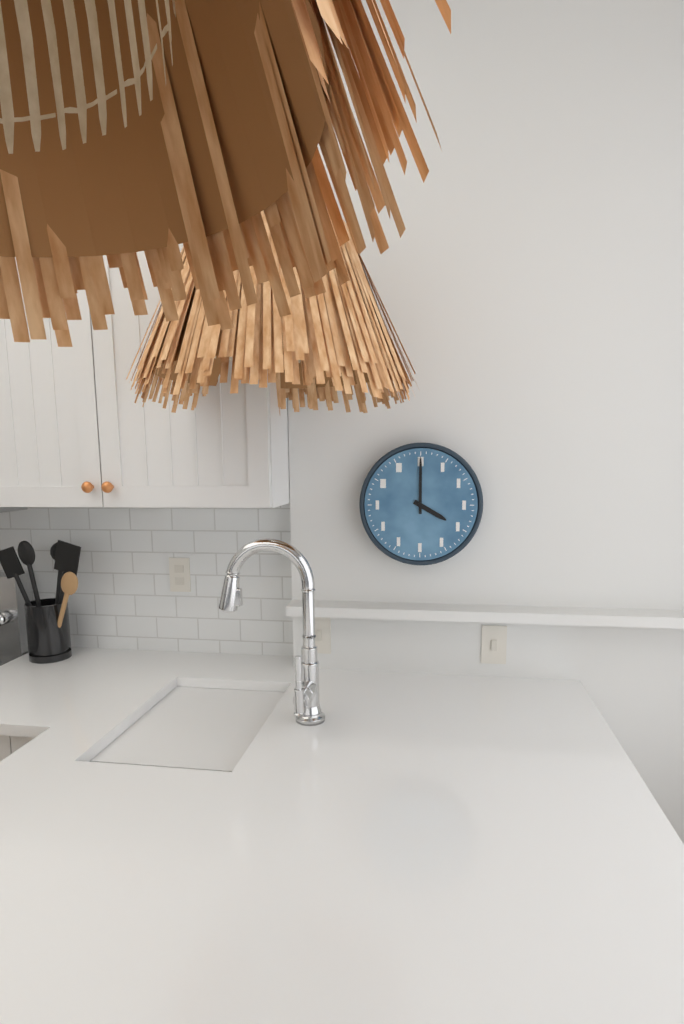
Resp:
4:00
